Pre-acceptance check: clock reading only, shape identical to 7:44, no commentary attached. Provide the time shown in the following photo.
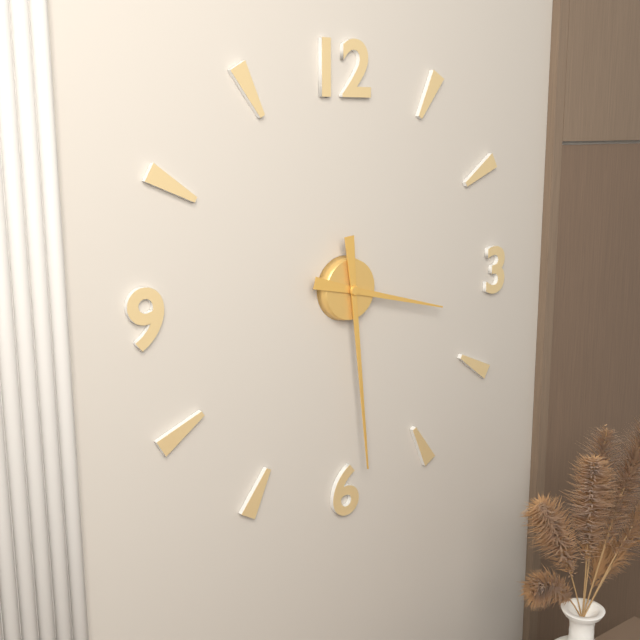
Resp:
3:29
